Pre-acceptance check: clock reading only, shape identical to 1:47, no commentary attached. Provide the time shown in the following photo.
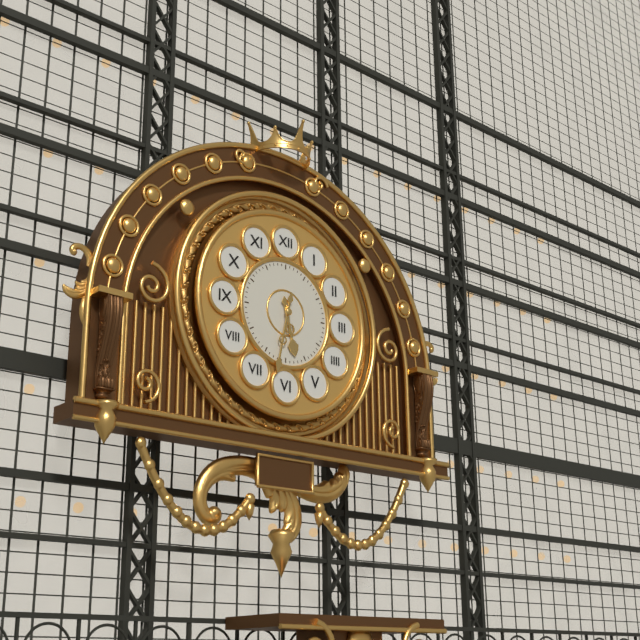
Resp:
5:32
